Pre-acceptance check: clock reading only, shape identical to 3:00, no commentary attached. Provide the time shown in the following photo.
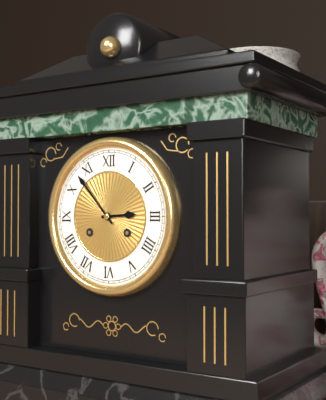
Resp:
2:53
